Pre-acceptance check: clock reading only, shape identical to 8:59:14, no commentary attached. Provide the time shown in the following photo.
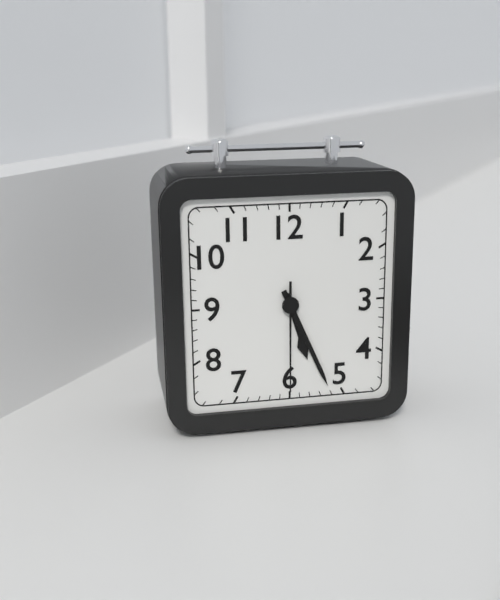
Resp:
5:26:30
